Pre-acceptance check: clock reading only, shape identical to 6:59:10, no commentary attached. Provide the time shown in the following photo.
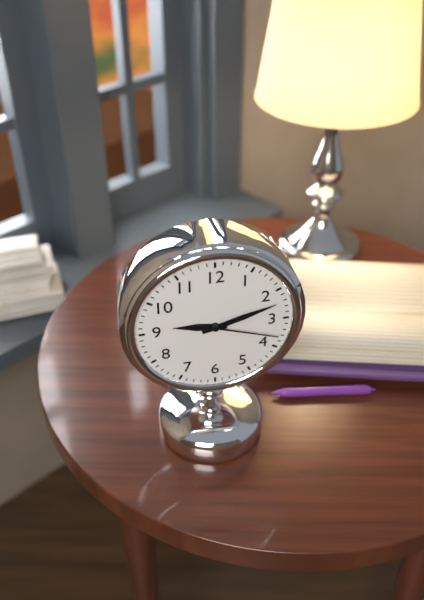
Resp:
9:12:18
